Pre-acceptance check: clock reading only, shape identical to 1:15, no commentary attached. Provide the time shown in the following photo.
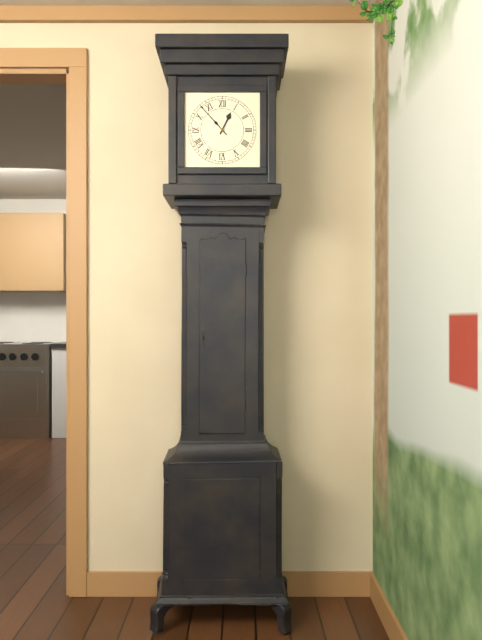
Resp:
12:53
